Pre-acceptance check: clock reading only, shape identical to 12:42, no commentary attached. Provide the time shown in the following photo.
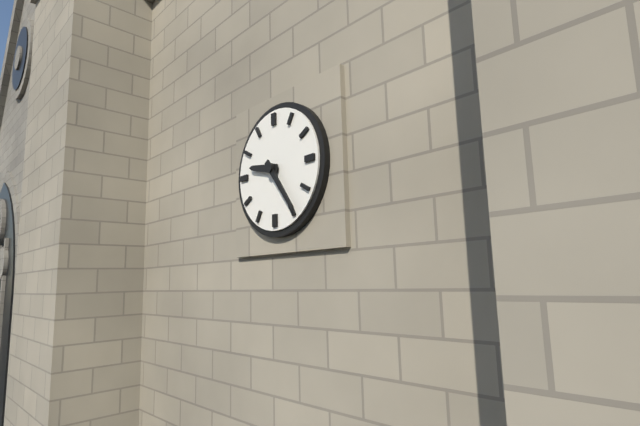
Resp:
9:24
